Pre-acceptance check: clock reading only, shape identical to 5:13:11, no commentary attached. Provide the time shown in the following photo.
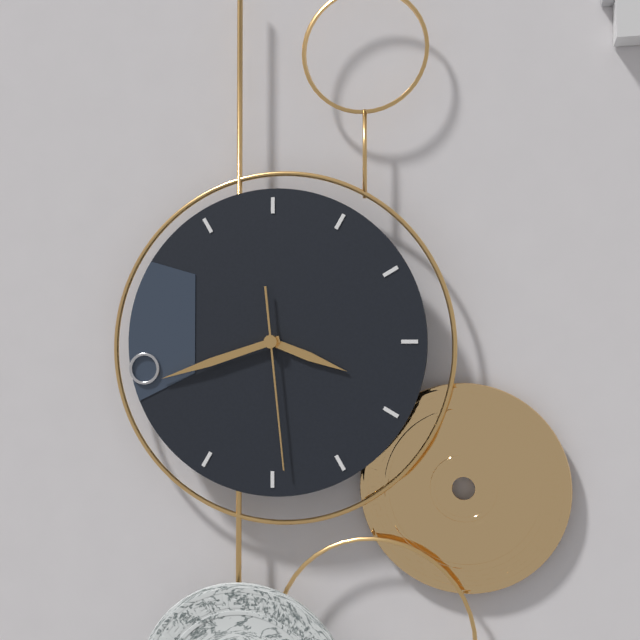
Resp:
3:42:29
